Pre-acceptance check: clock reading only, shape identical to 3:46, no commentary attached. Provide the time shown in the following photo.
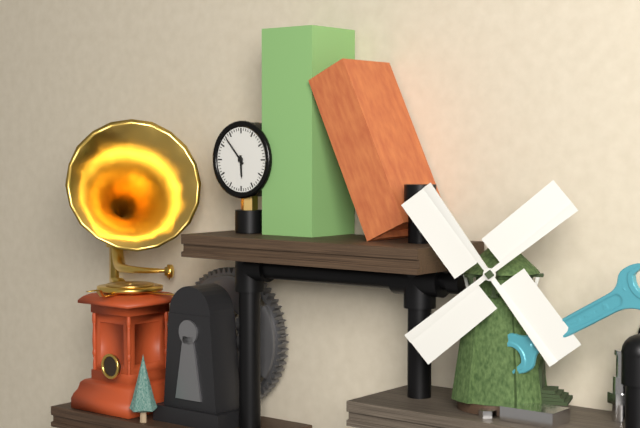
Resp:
5:53
